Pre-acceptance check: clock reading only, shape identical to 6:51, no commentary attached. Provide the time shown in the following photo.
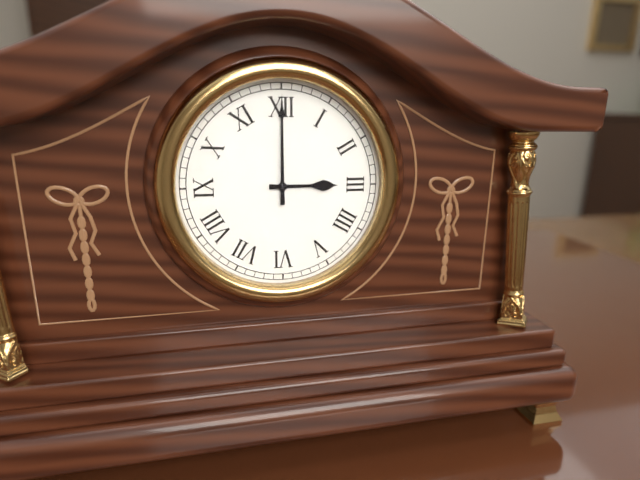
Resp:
3:00
